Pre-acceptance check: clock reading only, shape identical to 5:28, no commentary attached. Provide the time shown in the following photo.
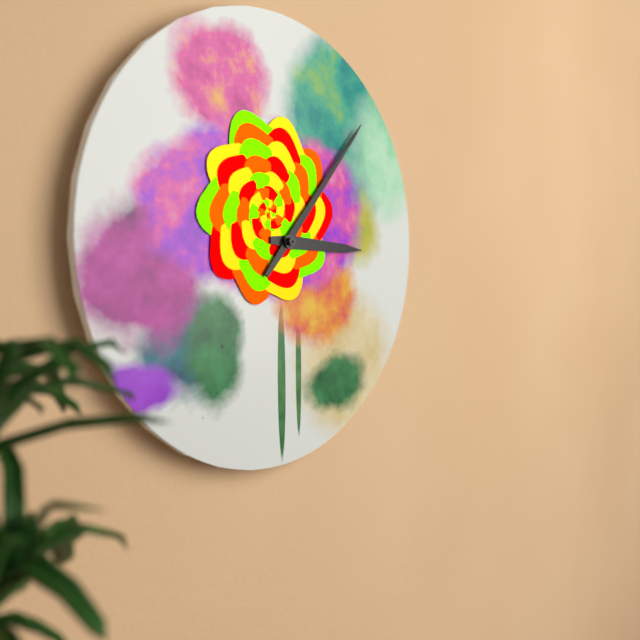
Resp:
3:07
